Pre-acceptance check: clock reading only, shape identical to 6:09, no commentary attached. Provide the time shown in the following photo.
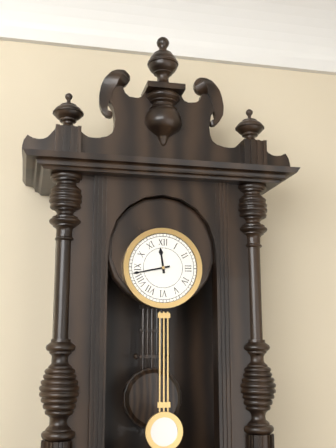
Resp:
11:43
